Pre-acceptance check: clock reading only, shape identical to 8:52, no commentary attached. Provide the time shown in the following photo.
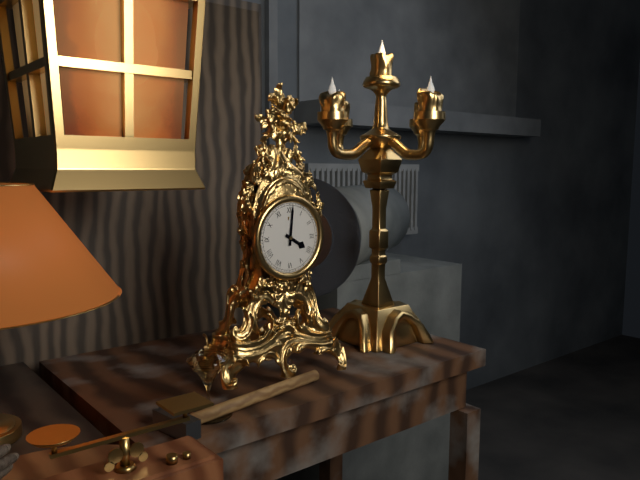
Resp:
4:01
